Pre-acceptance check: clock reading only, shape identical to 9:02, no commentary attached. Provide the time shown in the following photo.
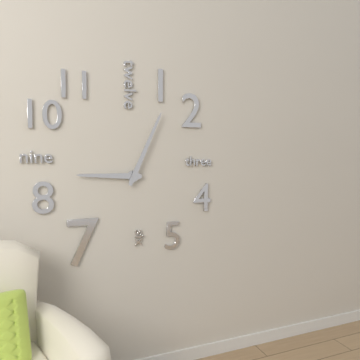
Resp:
9:04
